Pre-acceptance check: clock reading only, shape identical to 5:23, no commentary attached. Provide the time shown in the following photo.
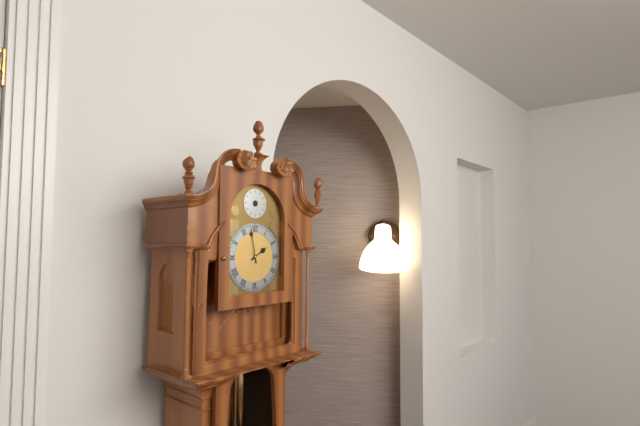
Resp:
1:58
